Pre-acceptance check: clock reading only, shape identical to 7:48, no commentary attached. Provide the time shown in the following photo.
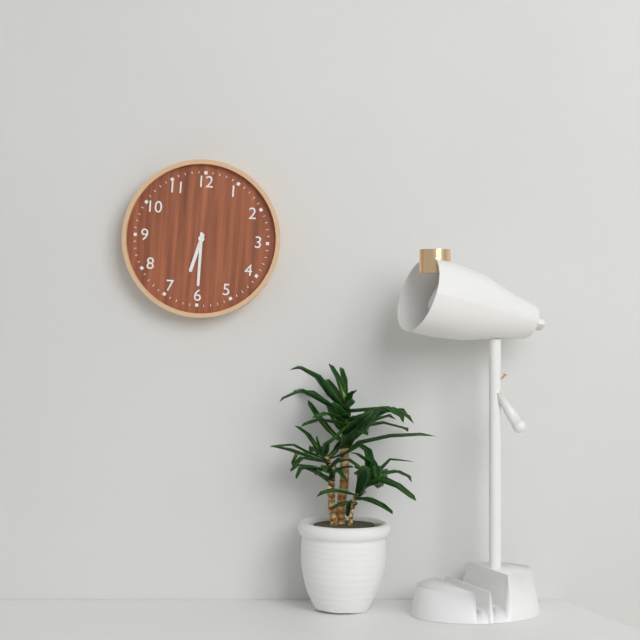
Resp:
6:30
